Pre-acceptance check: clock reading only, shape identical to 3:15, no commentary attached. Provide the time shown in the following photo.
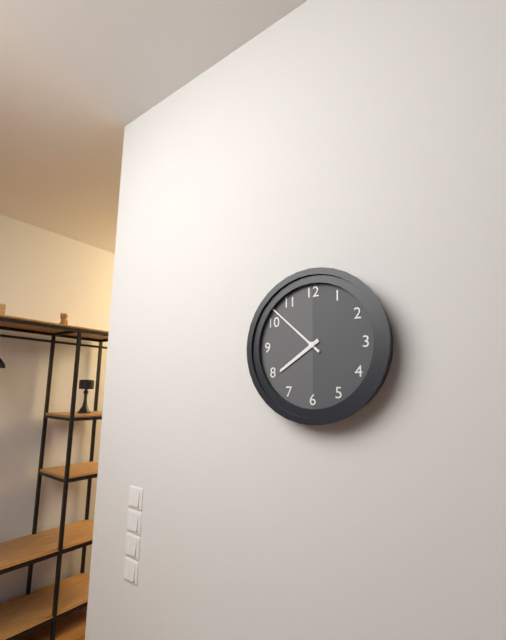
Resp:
7:52
